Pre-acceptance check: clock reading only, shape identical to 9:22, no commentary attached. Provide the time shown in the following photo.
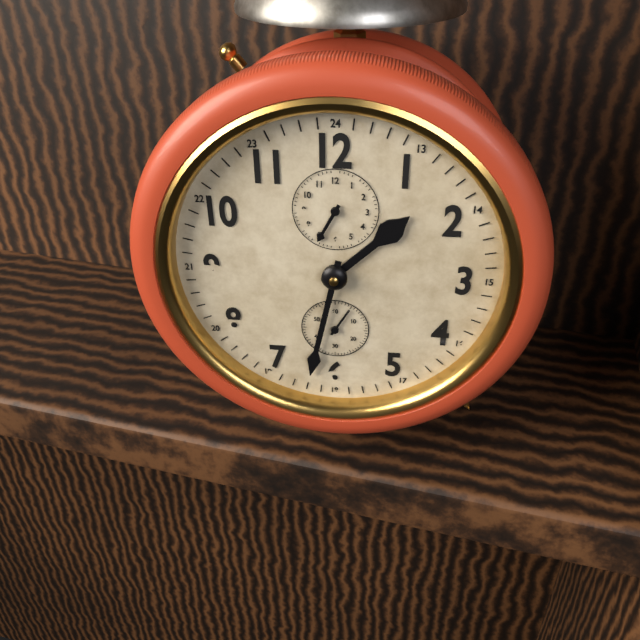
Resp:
1:32
